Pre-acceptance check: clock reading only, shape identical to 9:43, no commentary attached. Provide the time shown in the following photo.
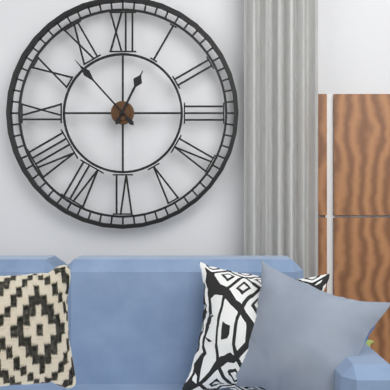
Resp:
12:53
